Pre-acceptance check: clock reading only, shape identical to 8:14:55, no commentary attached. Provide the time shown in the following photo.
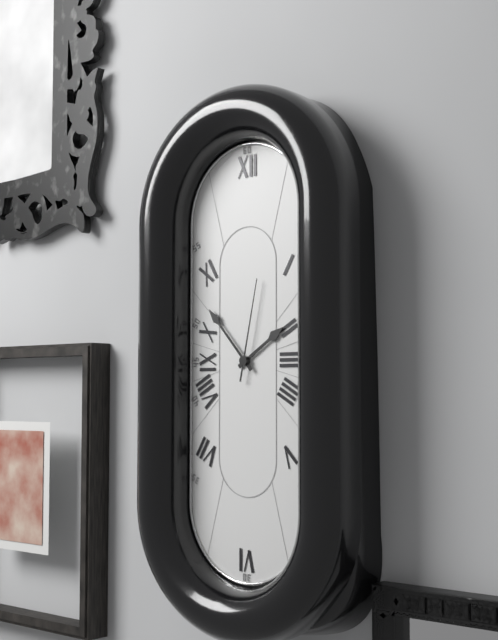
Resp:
1:53:02
